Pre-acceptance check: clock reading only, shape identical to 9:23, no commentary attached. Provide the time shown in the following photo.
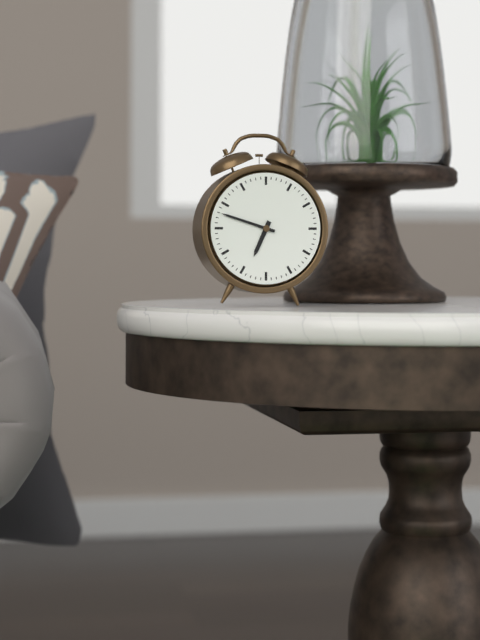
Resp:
6:48
